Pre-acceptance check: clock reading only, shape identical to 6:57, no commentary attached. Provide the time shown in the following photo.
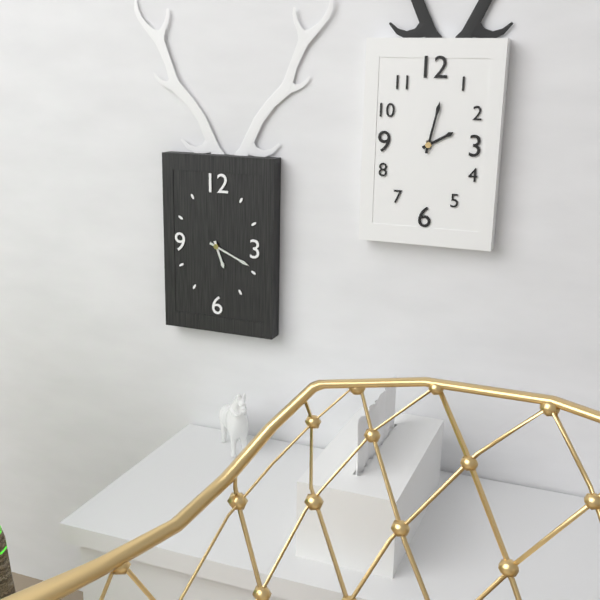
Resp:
5:19
